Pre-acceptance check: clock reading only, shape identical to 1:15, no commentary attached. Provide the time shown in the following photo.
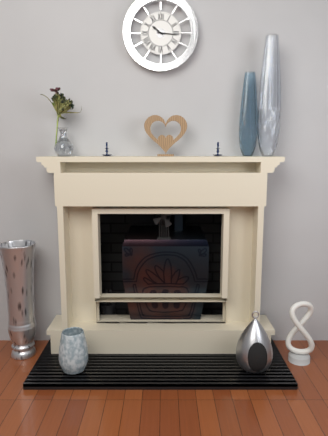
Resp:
10:16
